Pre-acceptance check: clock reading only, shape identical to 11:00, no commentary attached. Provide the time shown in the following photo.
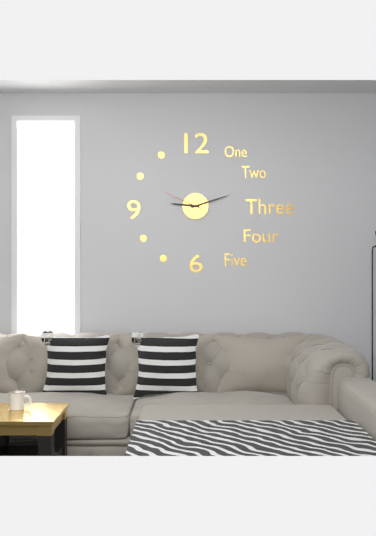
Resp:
9:12
